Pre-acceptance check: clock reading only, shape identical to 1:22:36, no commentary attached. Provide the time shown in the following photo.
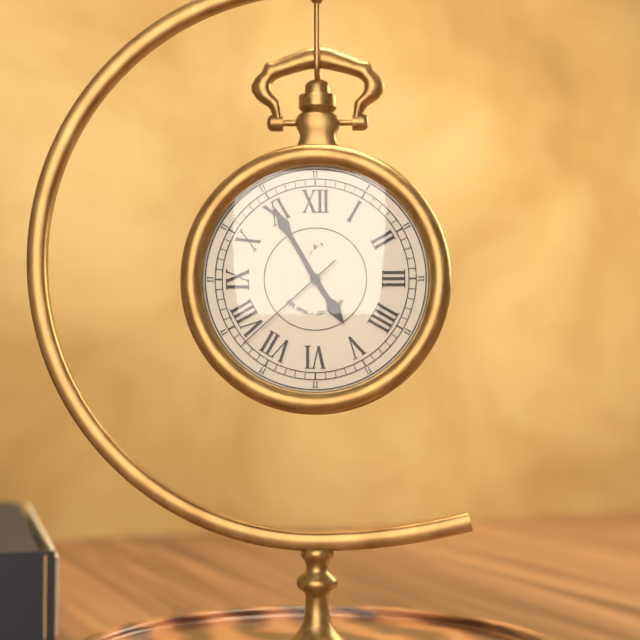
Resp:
4:55:38
